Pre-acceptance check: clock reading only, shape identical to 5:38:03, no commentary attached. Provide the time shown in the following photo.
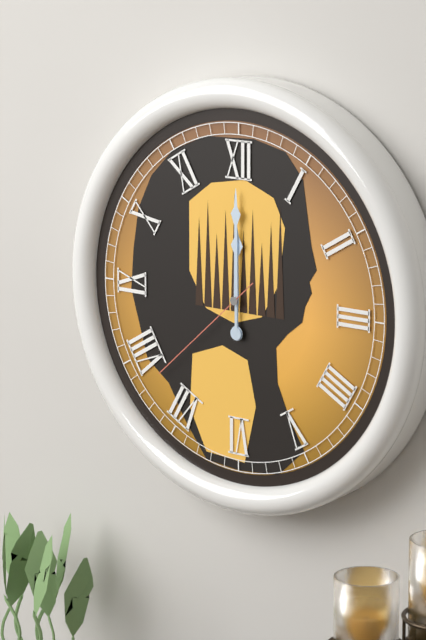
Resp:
12:00:38
